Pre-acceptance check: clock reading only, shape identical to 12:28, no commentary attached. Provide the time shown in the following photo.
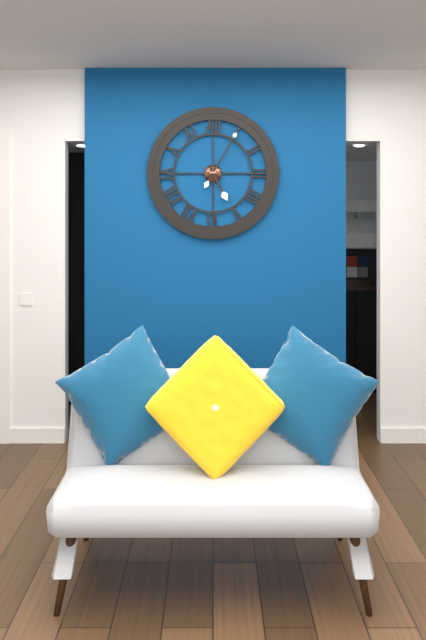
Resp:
5:05
